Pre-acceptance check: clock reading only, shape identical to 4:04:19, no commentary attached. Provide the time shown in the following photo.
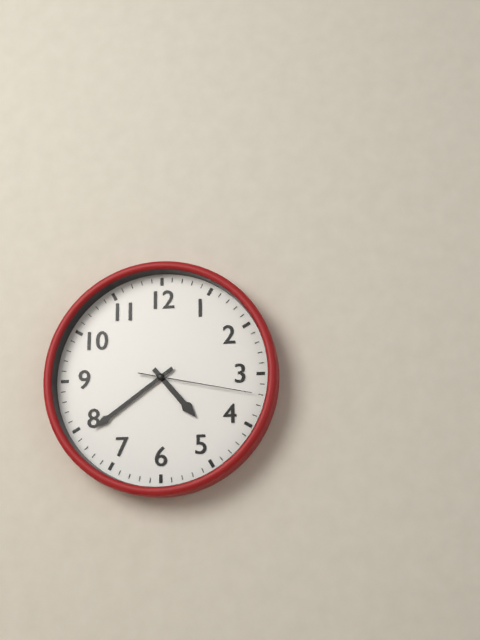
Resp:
4:39:17
